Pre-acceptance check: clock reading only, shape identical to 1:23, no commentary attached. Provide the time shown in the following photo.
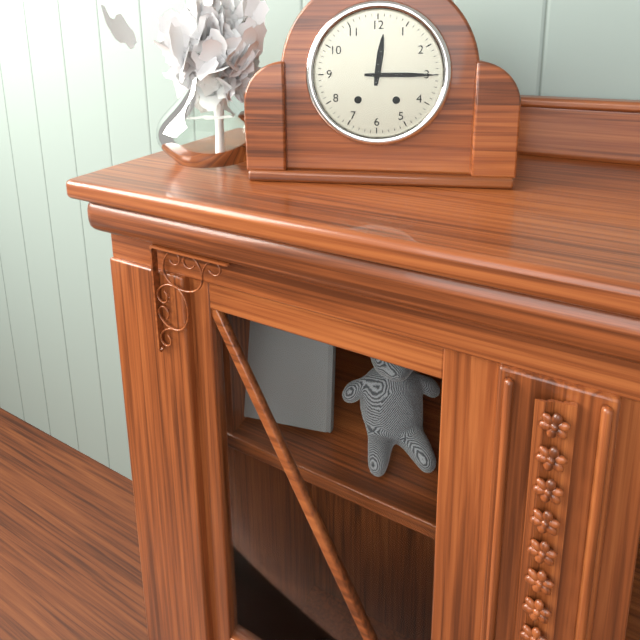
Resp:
12:15
